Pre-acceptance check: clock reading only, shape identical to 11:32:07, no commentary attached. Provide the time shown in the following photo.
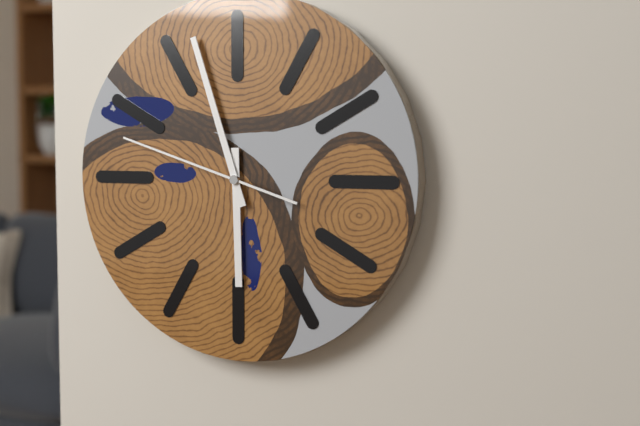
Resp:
5:57:48
